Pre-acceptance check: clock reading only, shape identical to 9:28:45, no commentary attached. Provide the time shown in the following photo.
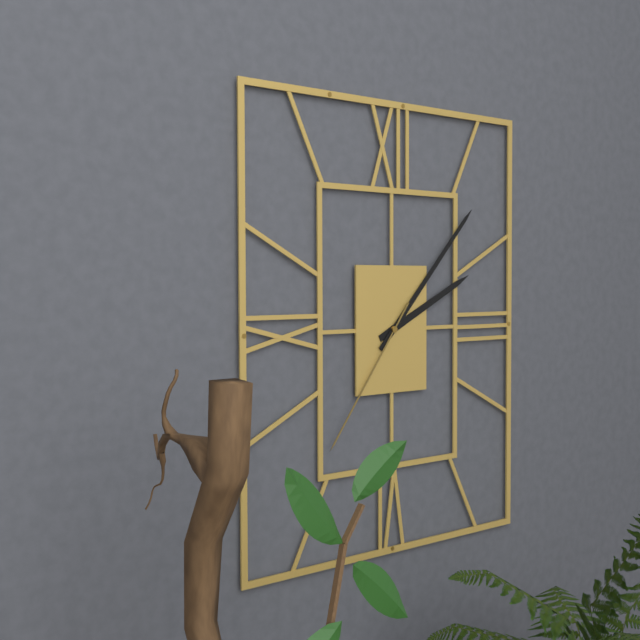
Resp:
2:07:36
